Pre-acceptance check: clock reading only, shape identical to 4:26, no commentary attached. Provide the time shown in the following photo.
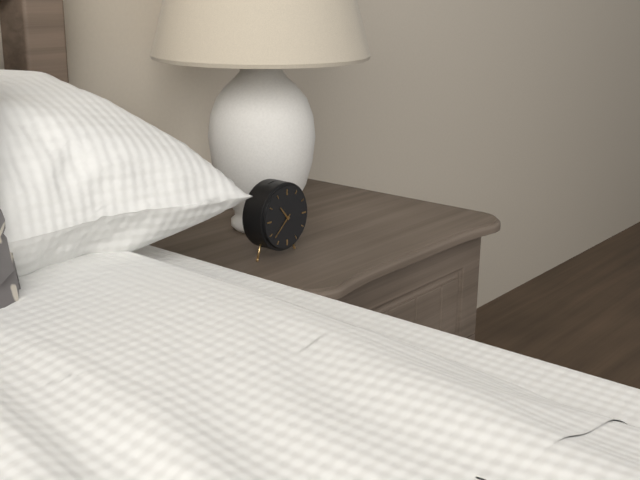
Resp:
10:38
